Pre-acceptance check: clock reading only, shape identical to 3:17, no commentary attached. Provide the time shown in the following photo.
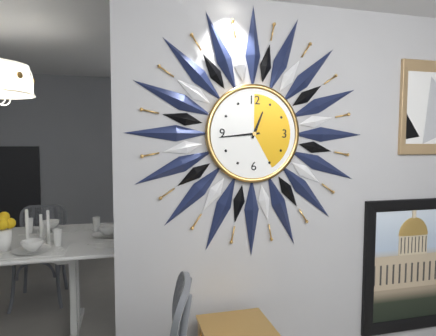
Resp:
12:44
